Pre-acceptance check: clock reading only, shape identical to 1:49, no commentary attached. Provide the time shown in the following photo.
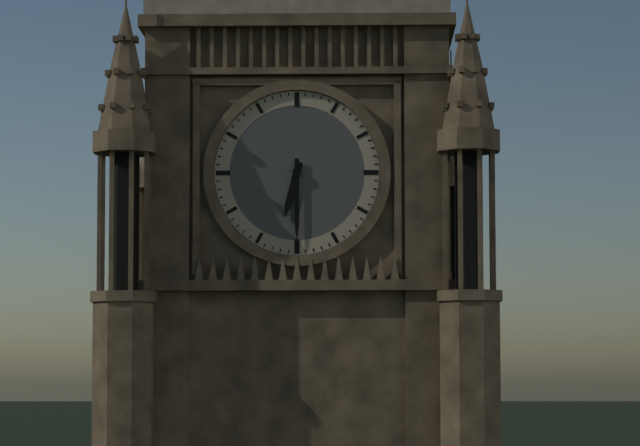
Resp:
6:30
